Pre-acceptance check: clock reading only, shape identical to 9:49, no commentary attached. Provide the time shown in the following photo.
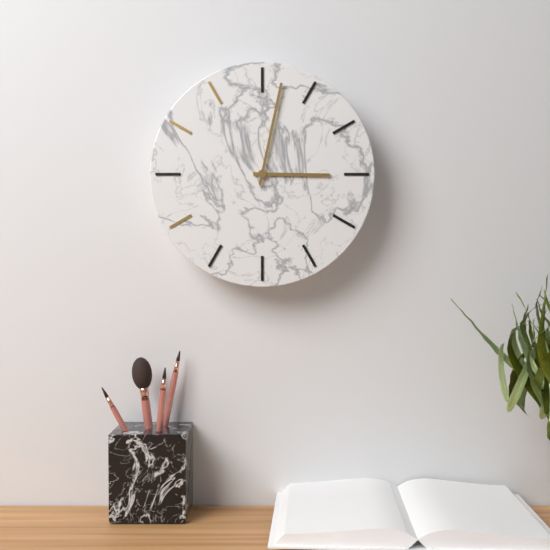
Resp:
3:02
